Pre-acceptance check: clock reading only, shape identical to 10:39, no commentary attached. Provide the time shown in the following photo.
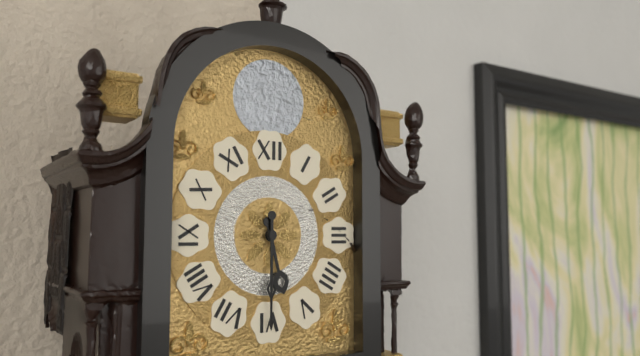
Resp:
5:30
